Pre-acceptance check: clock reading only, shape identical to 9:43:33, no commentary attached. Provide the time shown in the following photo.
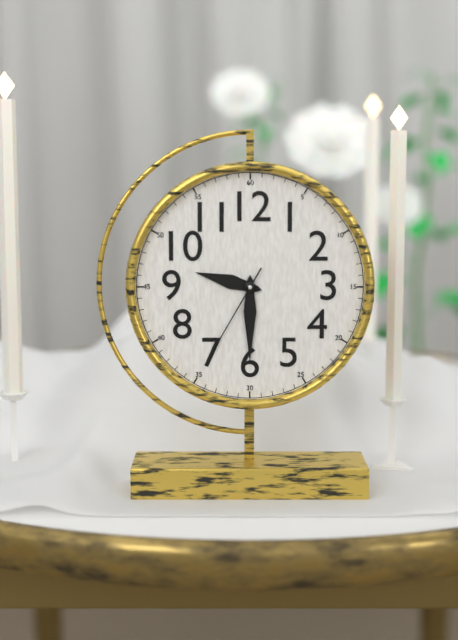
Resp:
9:30:35
